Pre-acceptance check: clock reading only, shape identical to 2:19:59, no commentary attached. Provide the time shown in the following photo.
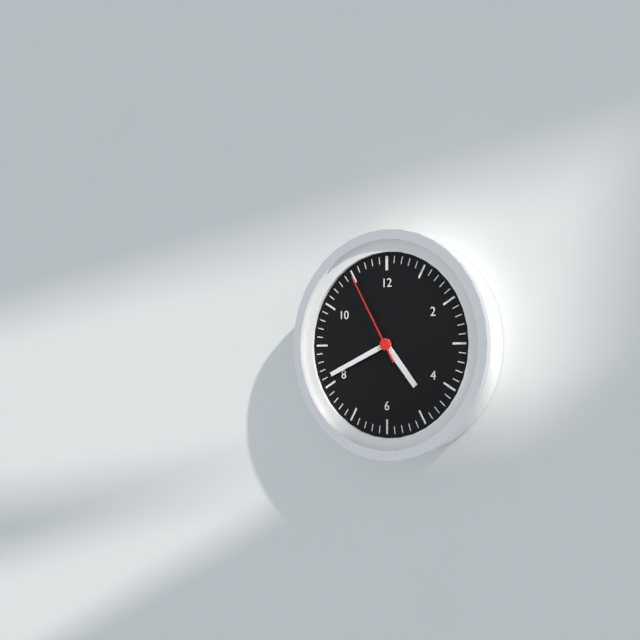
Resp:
4:41:55
